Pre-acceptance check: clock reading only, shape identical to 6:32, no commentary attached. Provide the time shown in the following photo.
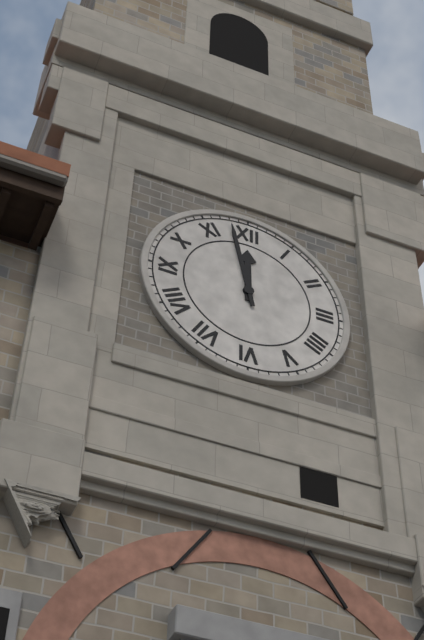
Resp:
11:58
